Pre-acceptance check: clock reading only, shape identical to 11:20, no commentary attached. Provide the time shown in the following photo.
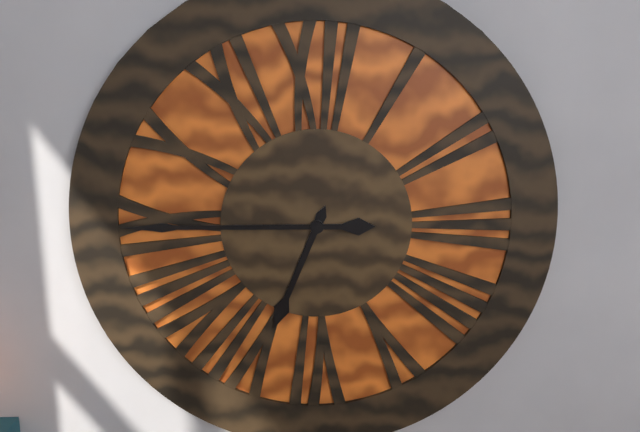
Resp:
6:45
